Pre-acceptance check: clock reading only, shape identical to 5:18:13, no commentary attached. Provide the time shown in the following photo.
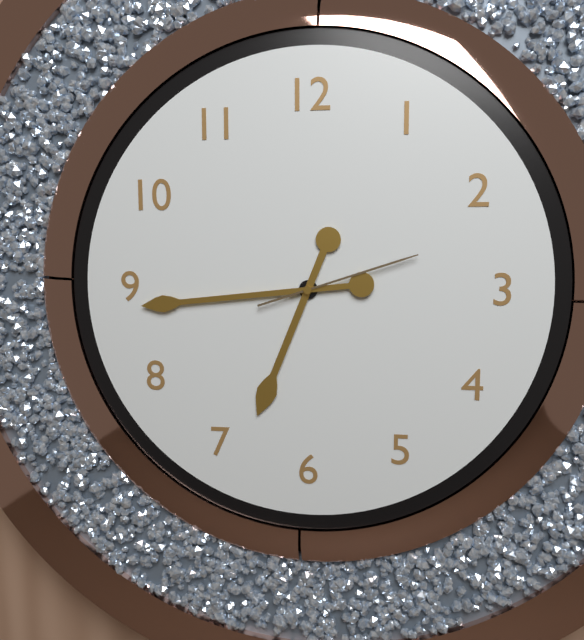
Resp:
6:44:12
